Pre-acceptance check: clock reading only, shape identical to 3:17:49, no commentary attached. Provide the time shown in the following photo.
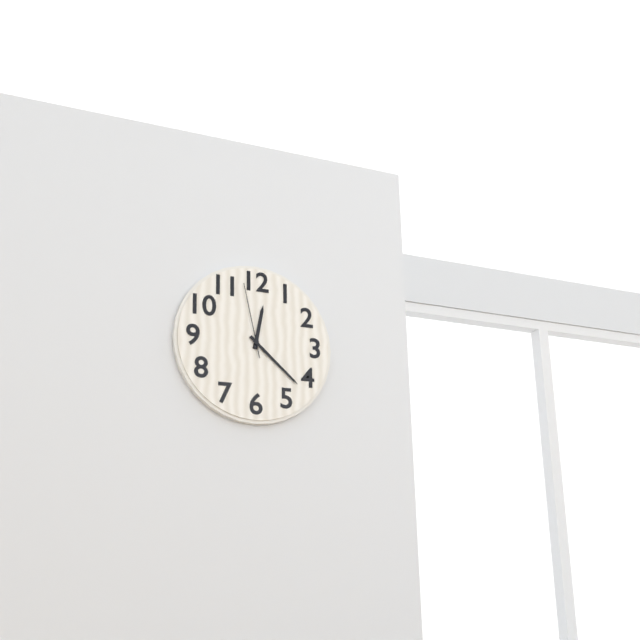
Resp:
12:22:58
